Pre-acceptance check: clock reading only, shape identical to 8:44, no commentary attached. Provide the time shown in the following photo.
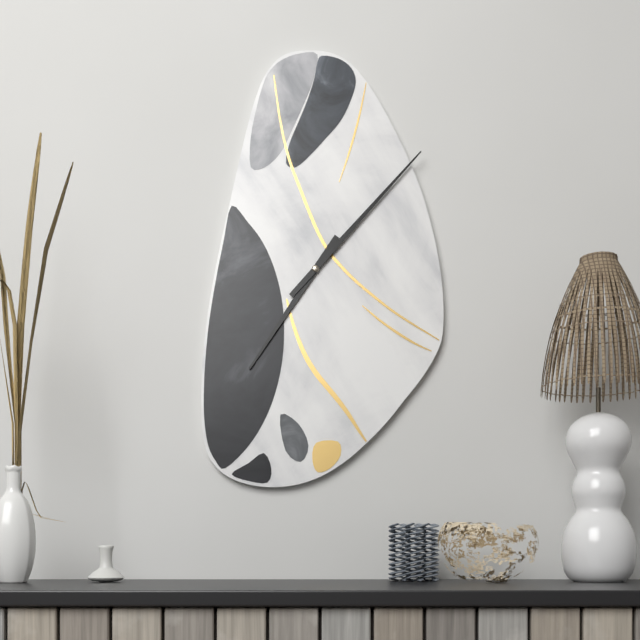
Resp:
7:07
